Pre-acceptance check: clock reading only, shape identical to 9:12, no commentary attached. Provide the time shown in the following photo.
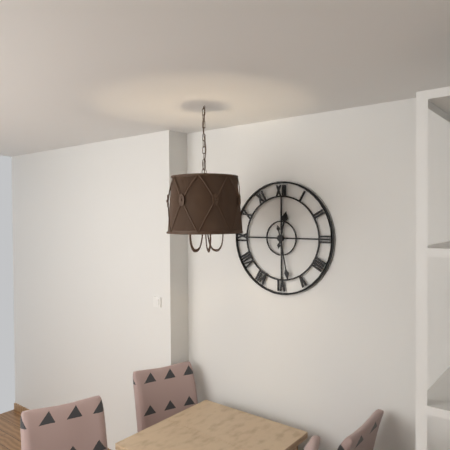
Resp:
12:28
